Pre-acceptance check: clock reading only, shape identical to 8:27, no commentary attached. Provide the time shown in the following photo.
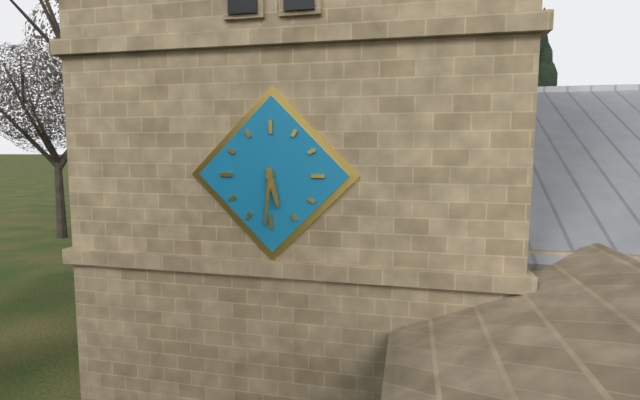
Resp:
5:31
